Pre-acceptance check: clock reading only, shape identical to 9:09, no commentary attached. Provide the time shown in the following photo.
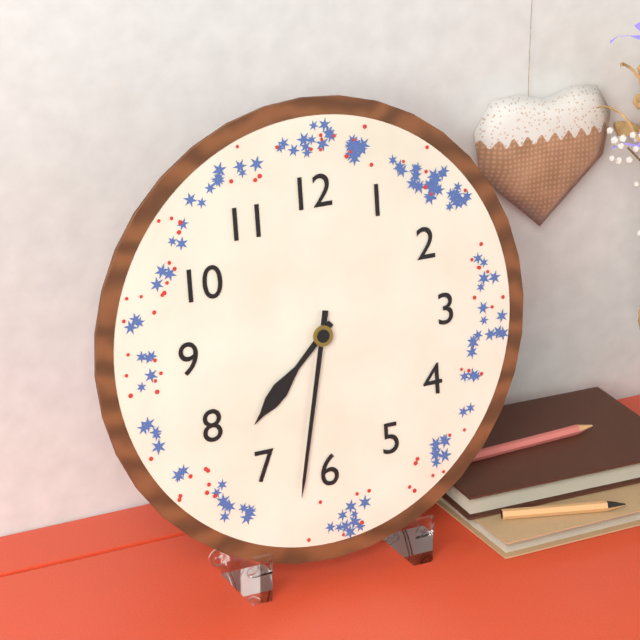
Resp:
7:32
